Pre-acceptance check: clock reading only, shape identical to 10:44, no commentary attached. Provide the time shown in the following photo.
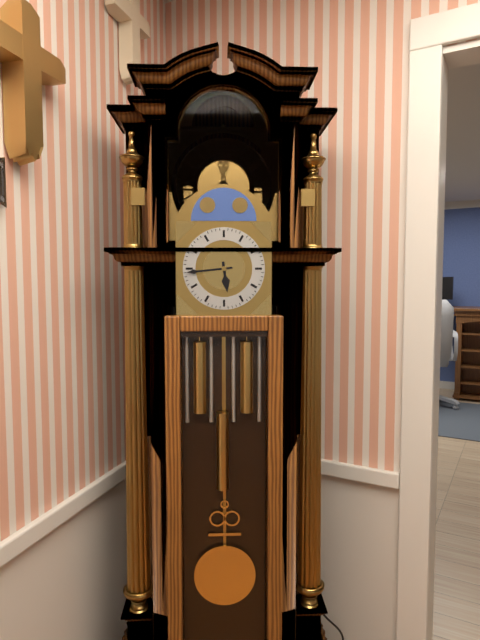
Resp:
5:44
